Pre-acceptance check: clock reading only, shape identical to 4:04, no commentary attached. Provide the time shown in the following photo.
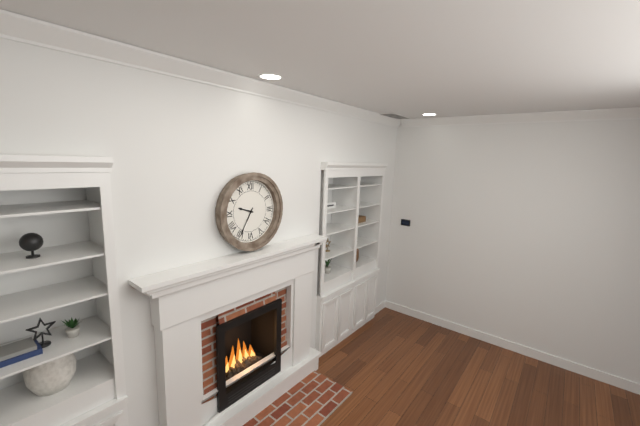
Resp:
9:35
